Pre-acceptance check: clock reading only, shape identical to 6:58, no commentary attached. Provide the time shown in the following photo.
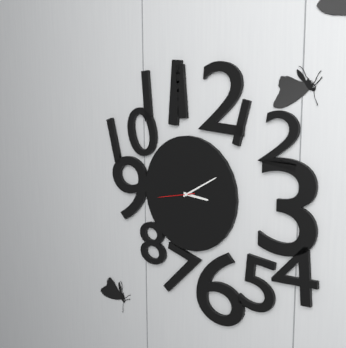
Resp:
3:10
